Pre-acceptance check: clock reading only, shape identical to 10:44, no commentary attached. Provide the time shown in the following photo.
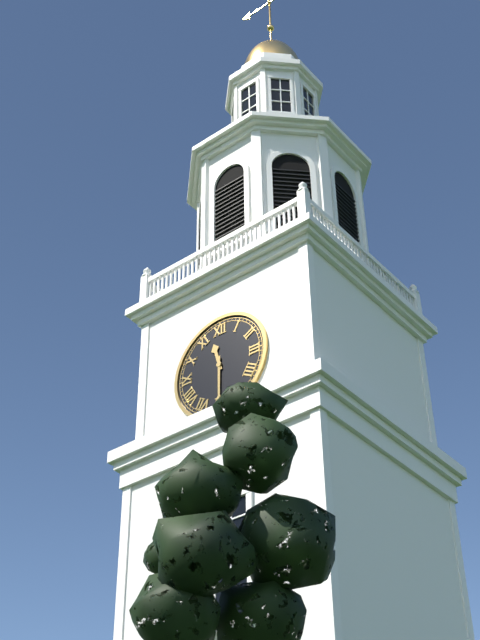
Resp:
11:30
